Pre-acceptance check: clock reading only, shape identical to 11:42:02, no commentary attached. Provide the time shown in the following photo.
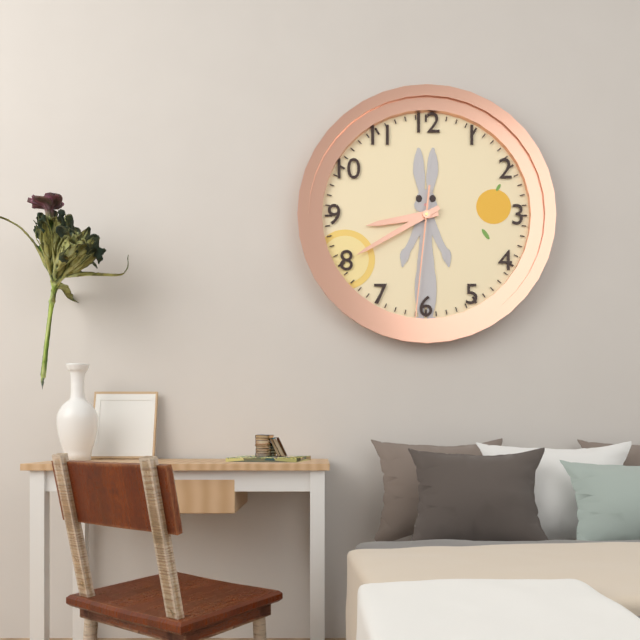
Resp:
8:40:31
